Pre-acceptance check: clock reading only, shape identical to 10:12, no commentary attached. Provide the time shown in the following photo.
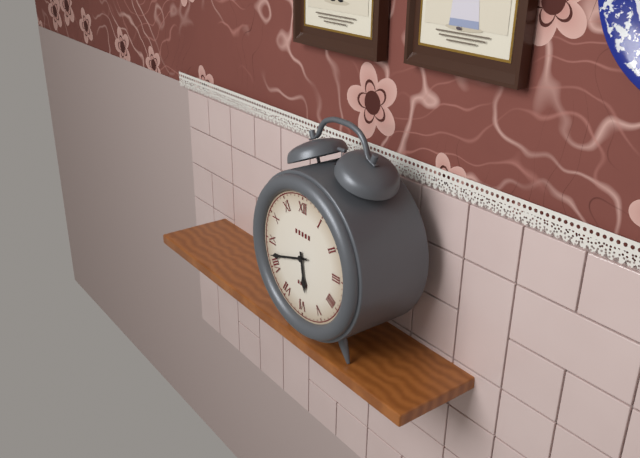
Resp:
5:42
